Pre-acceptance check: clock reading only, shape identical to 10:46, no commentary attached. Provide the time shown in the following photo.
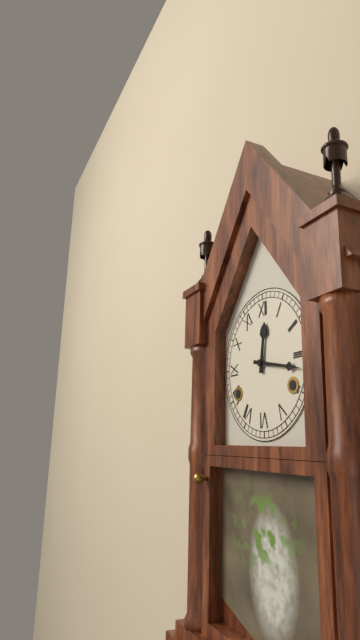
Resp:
12:17
